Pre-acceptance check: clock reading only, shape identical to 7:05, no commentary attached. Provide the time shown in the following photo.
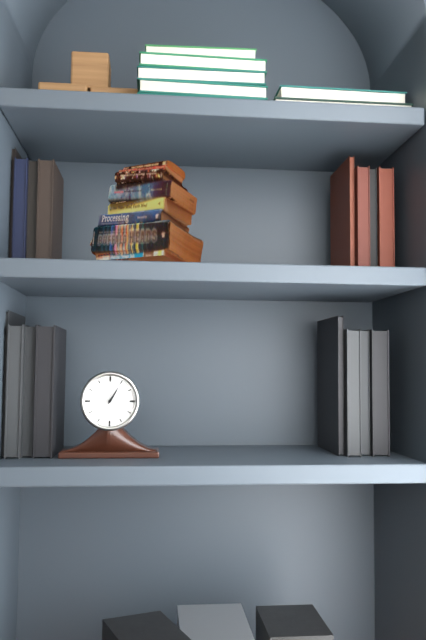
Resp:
1:05
